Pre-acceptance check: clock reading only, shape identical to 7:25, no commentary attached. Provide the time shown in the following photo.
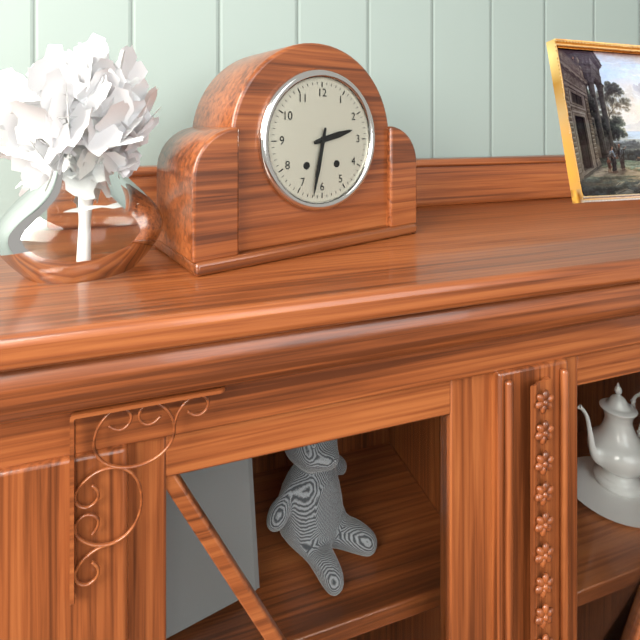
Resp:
2:32
